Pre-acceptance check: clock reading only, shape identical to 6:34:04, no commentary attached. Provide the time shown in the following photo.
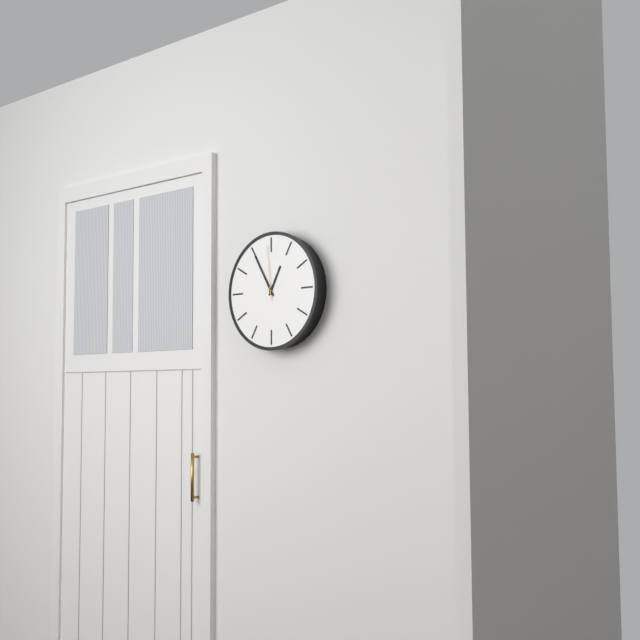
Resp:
12:55:59
